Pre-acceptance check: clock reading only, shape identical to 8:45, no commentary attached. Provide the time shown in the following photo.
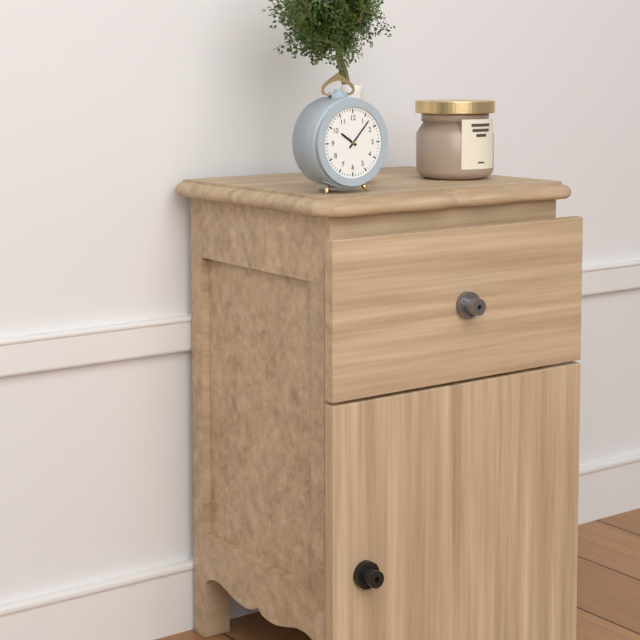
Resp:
10:07
